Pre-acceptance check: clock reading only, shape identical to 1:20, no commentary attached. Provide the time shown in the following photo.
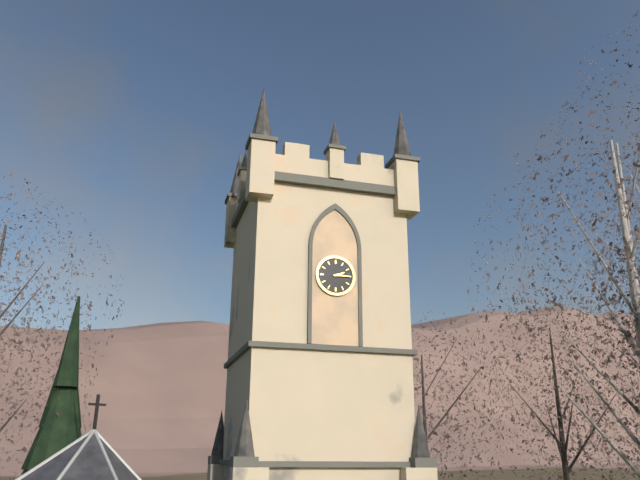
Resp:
2:15
